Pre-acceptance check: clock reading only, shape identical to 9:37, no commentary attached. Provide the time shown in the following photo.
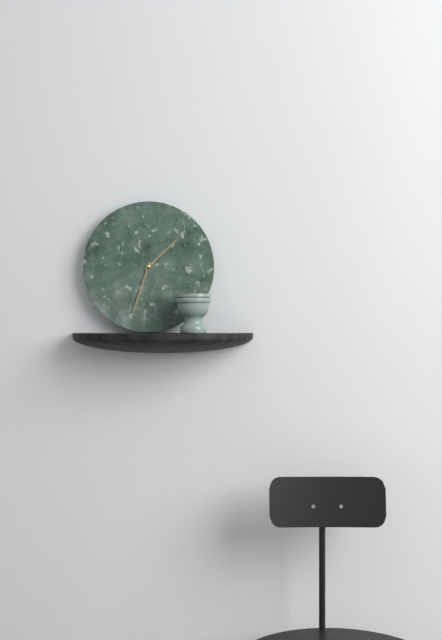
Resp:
1:33
